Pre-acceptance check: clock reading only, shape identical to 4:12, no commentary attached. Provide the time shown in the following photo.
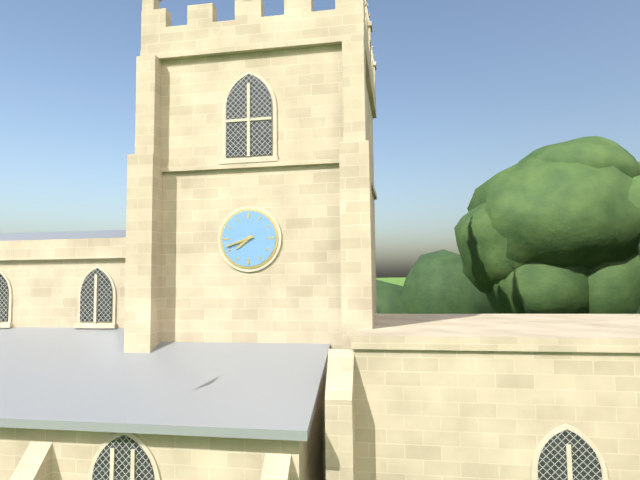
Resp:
7:42
